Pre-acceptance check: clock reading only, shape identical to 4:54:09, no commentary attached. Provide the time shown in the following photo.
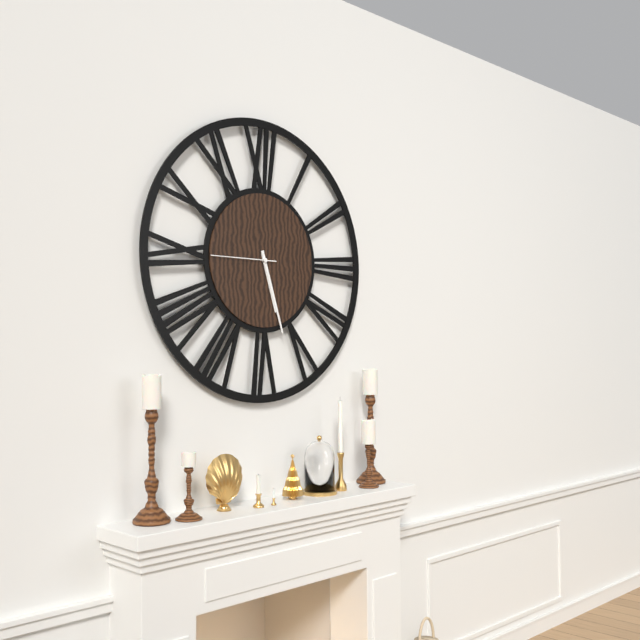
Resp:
5:27:45
